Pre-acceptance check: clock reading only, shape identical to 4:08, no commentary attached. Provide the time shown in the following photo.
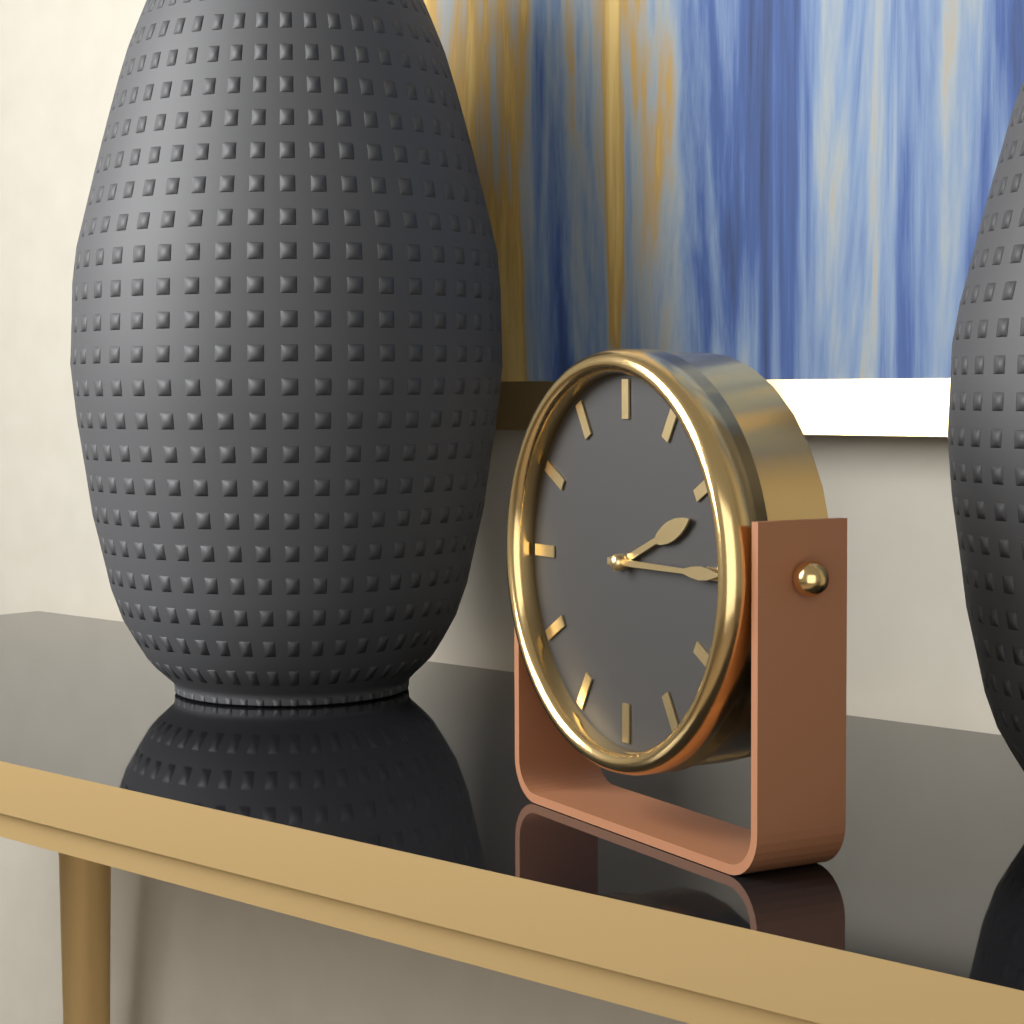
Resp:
2:15
